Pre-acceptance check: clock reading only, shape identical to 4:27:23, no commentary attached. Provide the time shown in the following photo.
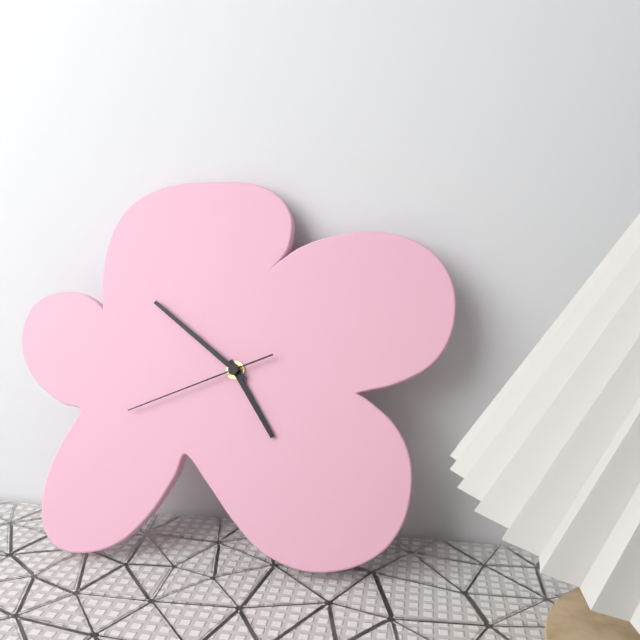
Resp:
4:51:41
